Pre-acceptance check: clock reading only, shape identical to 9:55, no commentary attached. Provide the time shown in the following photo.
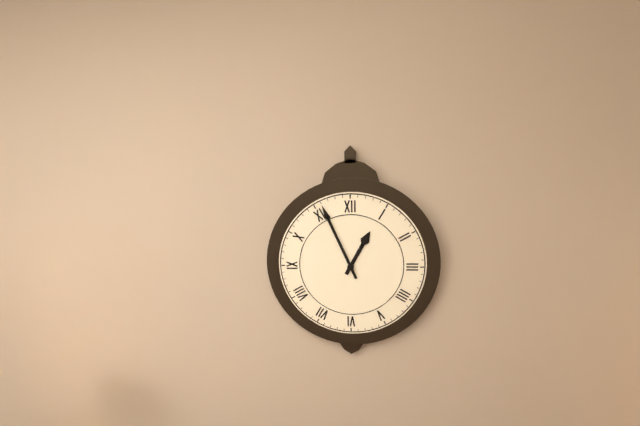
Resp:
12:56
